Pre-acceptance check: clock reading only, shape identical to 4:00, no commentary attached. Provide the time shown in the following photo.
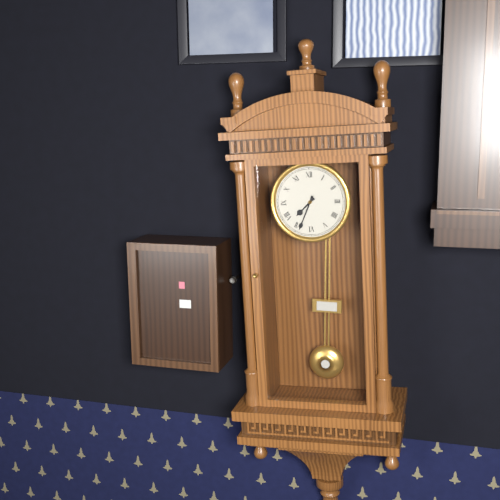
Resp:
7:34
